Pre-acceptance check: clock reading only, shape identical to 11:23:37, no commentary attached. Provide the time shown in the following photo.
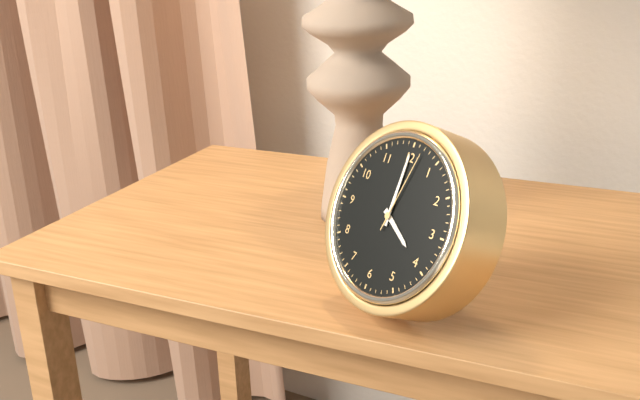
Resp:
4:00:02
